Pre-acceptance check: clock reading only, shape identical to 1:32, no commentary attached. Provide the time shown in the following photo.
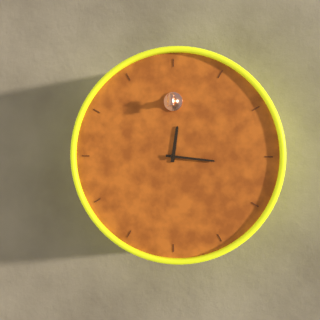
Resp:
12:16
